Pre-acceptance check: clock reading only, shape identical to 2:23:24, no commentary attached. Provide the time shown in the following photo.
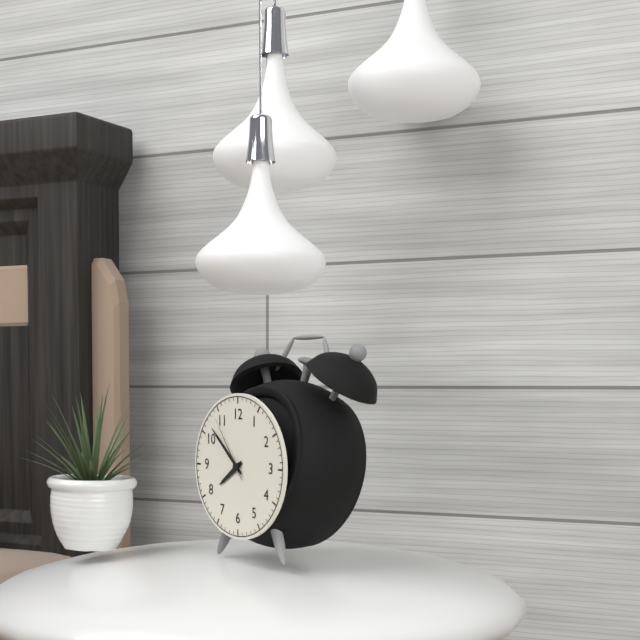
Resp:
7:52:54
